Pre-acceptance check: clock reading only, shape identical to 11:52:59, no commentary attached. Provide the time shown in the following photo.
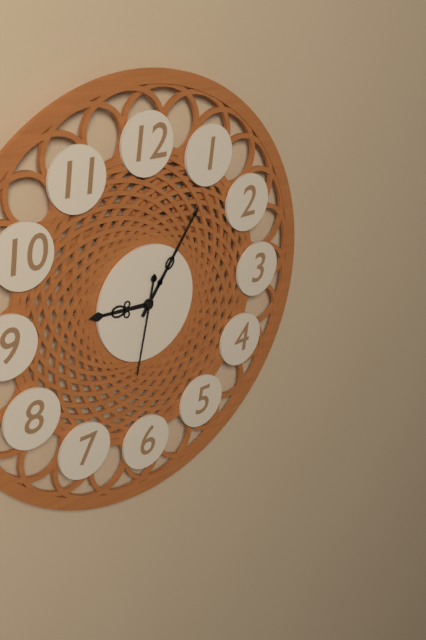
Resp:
9:06:32
